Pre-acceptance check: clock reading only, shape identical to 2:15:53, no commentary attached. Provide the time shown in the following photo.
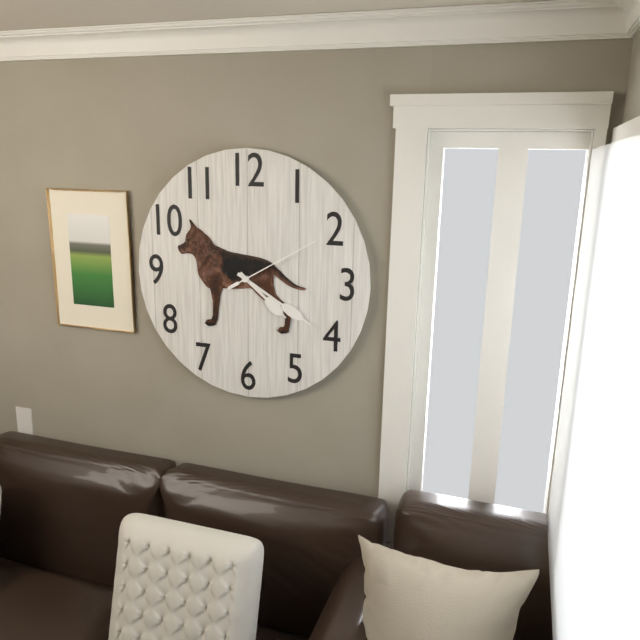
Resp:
4:20:10
